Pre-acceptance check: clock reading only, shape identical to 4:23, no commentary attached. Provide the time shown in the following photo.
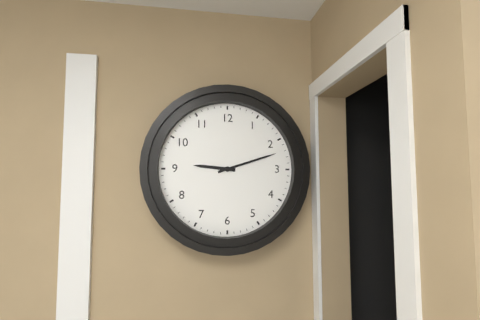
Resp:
9:12
